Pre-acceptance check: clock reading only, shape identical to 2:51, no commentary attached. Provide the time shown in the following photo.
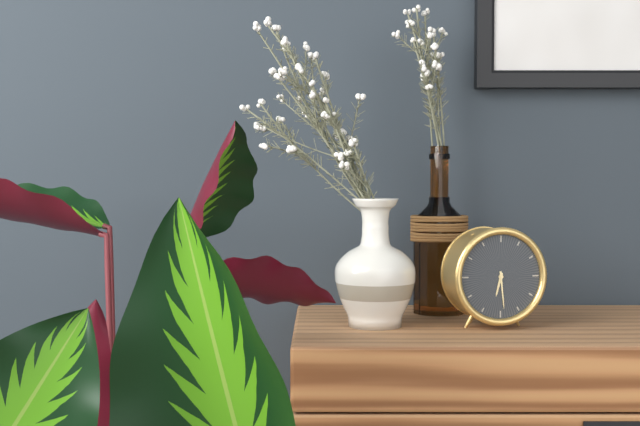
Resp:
6:29
